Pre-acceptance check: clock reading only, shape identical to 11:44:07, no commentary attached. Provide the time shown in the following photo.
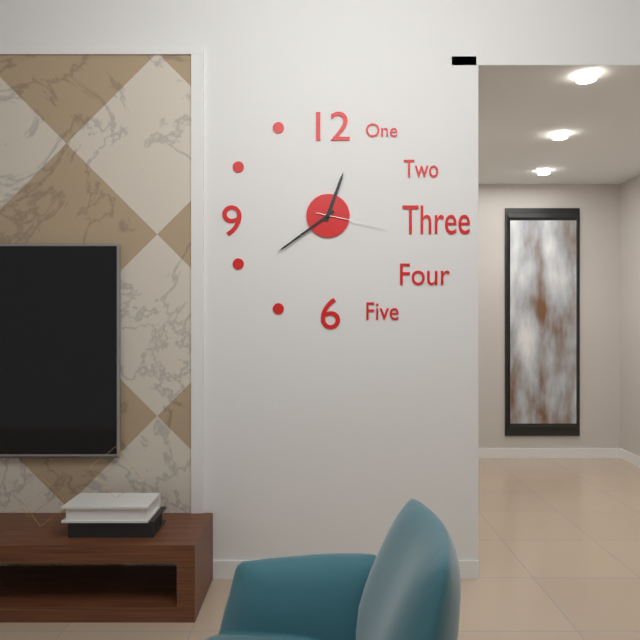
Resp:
12:39:17
